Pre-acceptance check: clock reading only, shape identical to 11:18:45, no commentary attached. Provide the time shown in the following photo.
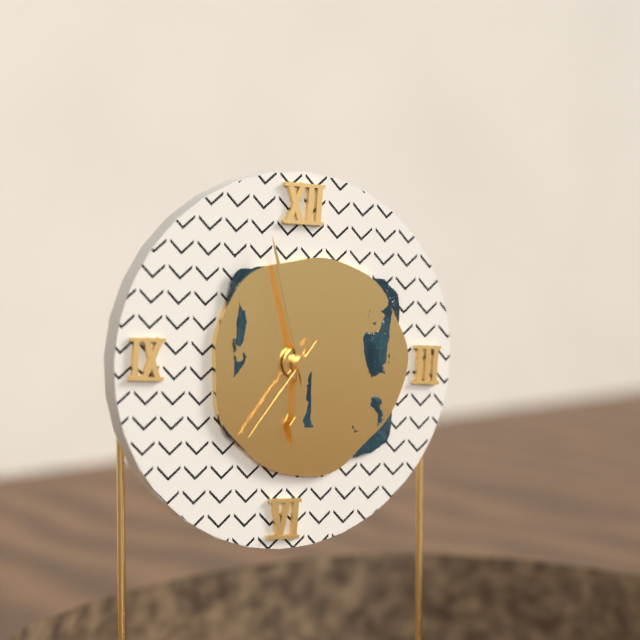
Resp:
5:57:36
